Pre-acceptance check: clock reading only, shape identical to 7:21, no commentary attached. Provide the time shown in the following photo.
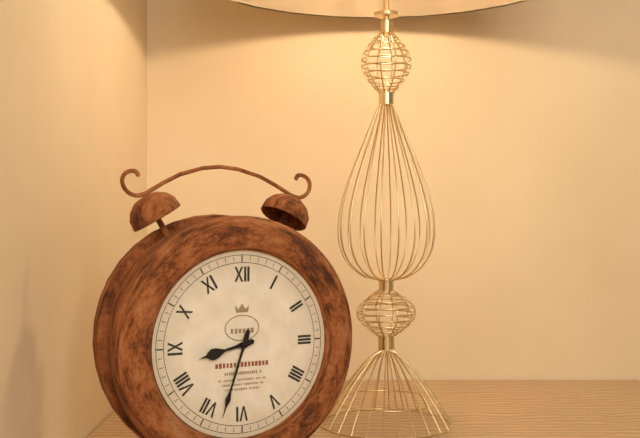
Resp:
8:33
